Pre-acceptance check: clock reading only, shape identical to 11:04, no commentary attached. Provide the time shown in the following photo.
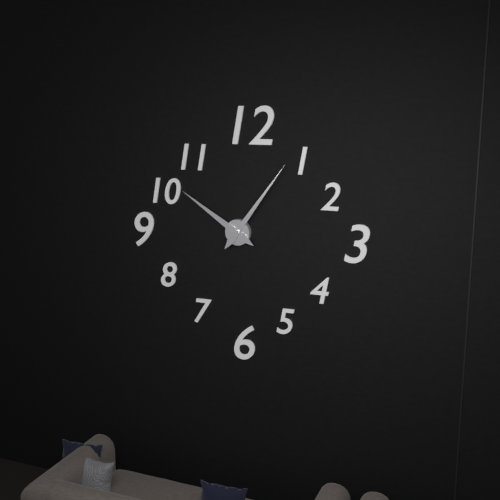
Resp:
10:06
